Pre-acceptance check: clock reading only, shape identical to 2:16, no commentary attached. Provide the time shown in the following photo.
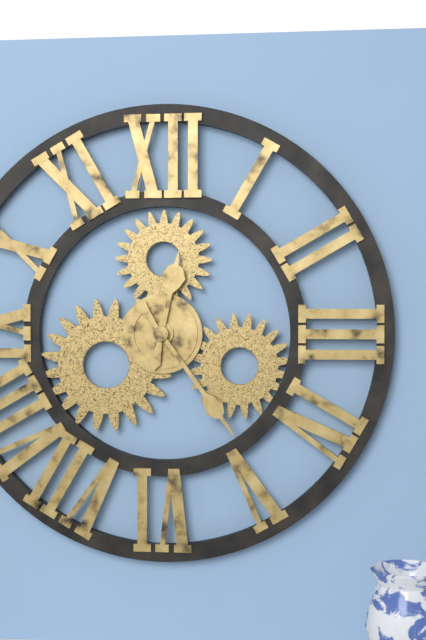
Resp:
12:24
